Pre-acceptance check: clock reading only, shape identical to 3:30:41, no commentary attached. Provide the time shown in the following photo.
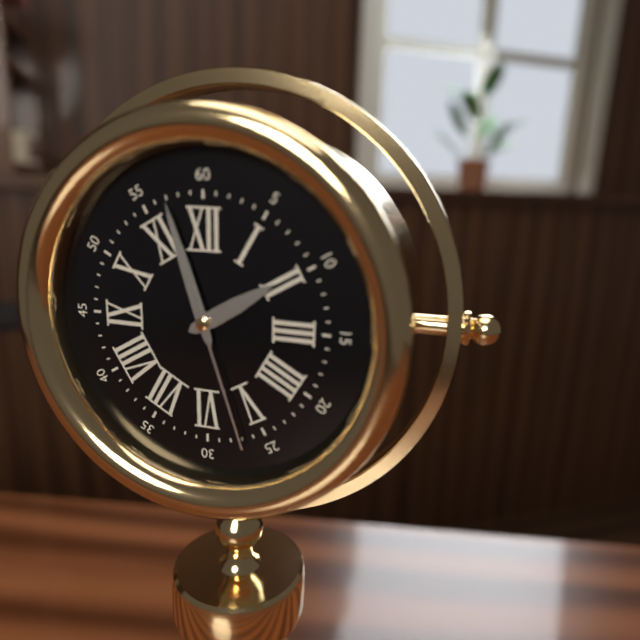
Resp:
1:57:27
